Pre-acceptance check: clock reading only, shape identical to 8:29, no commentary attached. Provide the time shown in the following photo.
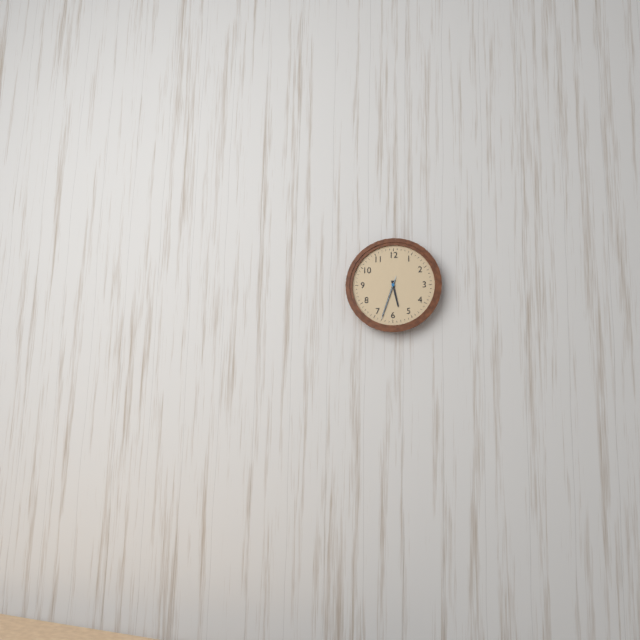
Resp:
5:33
